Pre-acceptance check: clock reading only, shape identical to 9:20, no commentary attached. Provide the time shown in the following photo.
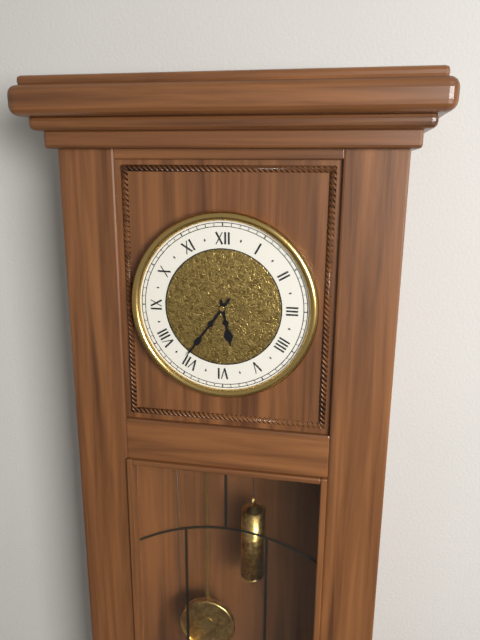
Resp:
5:36
